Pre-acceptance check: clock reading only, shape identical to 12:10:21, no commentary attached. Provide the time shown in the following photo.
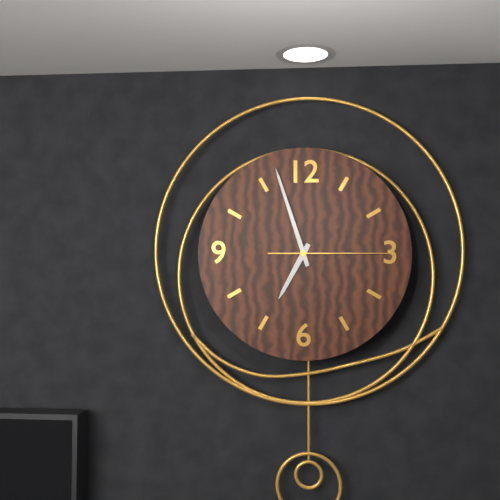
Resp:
6:57:15
